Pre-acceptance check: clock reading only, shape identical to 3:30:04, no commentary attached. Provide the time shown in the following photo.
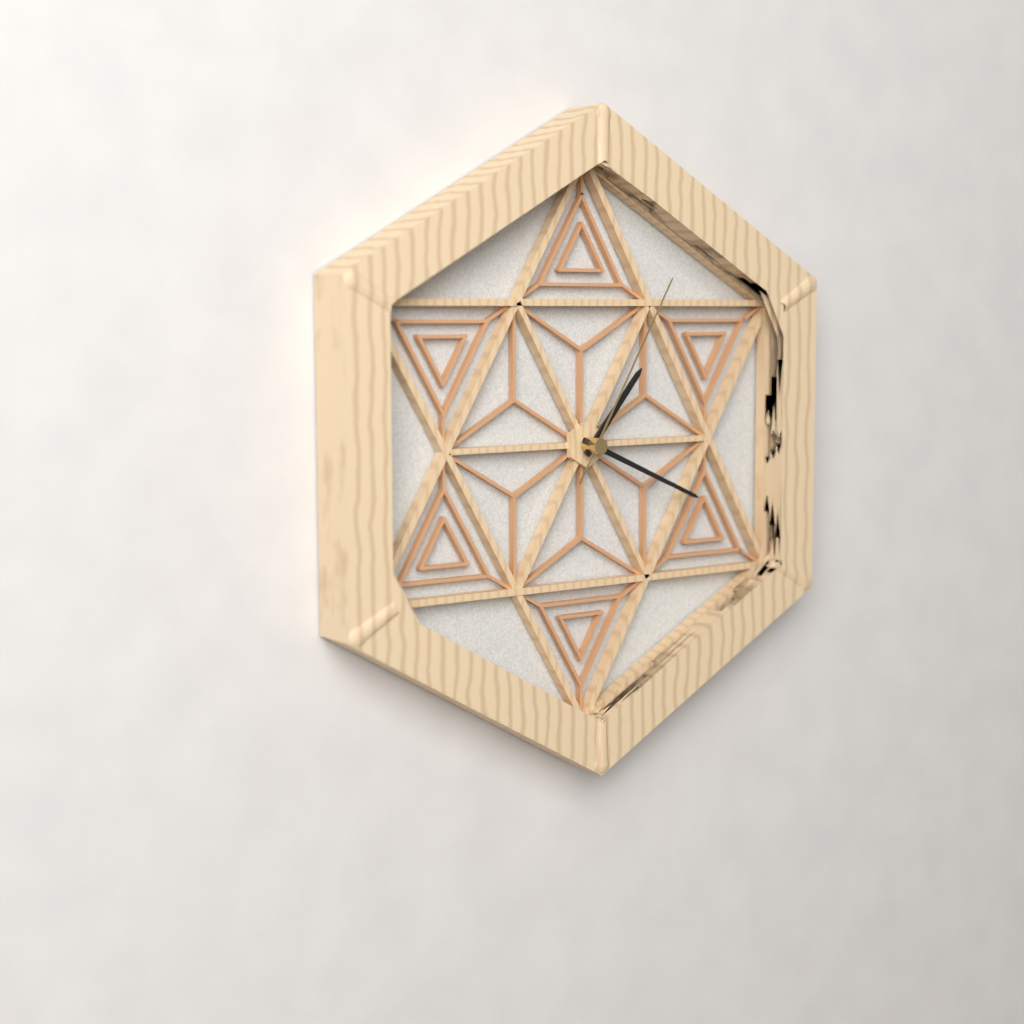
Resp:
1:19:05
